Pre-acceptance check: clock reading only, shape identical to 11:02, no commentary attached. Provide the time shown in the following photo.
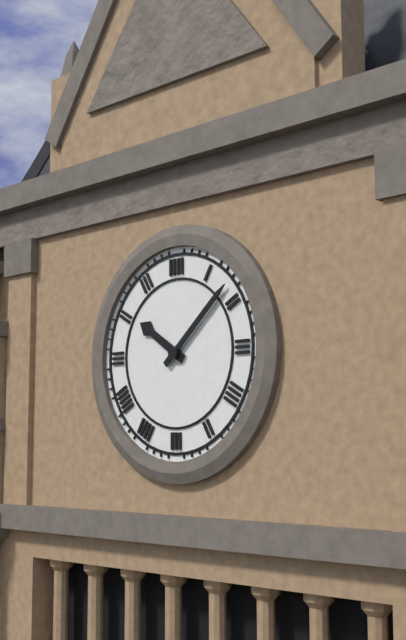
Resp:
10:08
